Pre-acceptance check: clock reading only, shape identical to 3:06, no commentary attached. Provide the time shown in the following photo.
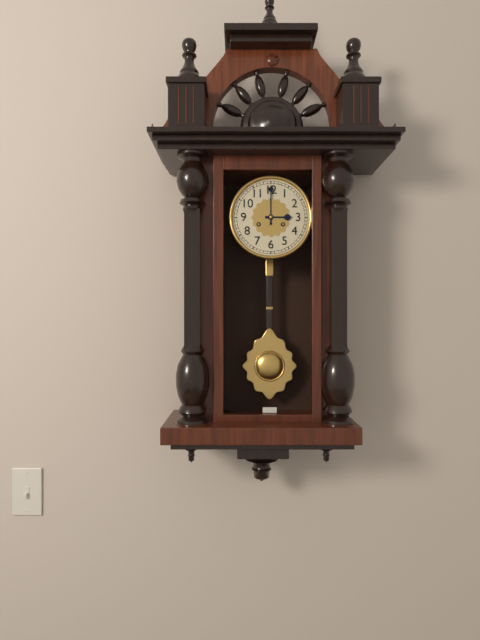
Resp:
3:00
